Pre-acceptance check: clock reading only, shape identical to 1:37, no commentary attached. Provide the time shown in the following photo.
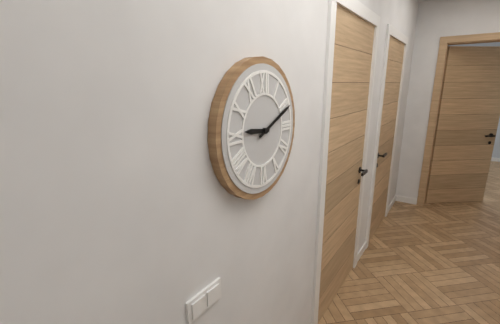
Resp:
9:11
